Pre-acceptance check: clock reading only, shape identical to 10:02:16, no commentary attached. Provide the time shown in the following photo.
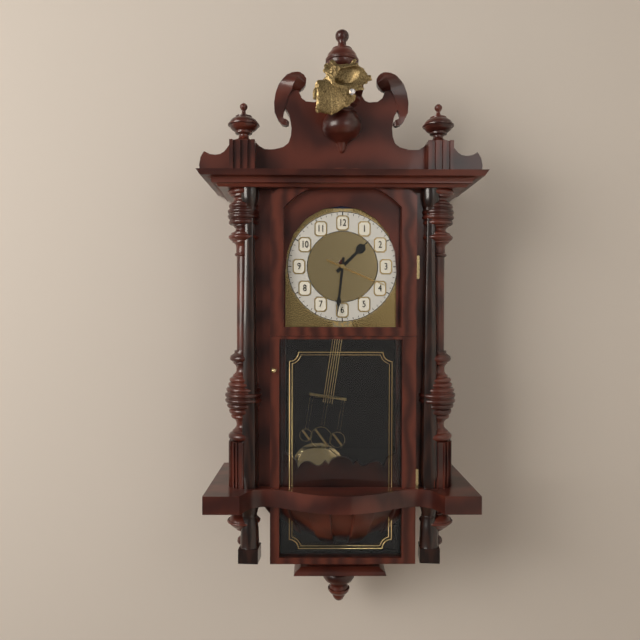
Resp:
1:31:19
